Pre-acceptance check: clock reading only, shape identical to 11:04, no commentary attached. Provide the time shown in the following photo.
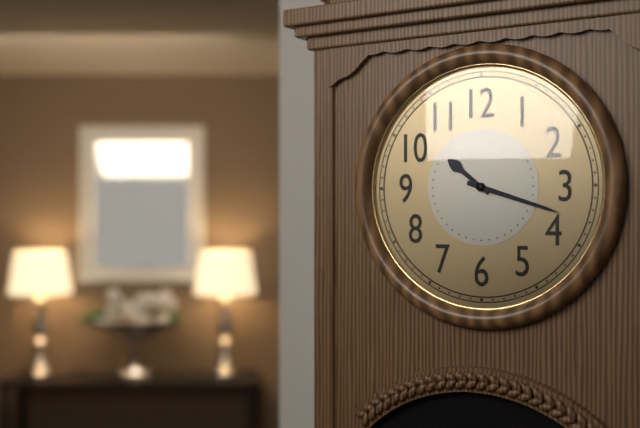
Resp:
10:18
